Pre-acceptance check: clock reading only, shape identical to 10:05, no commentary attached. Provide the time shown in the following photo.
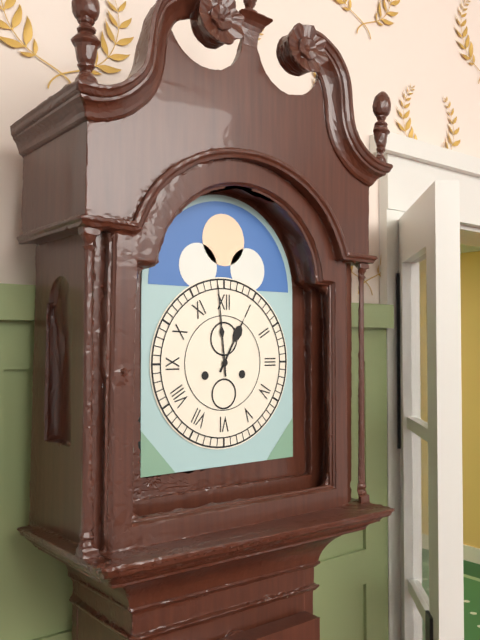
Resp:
12:59
